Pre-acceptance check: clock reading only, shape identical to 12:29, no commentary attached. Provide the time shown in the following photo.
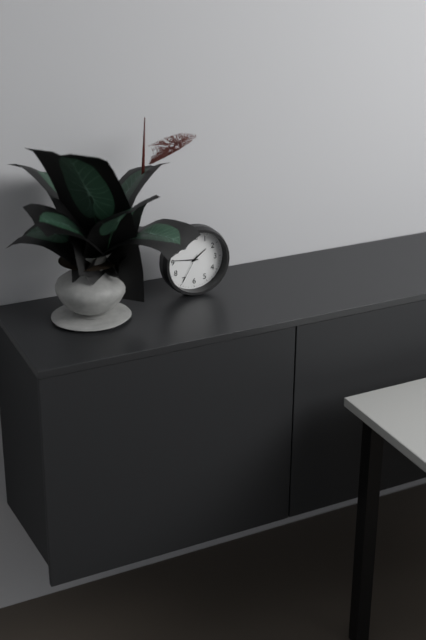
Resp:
1:46
